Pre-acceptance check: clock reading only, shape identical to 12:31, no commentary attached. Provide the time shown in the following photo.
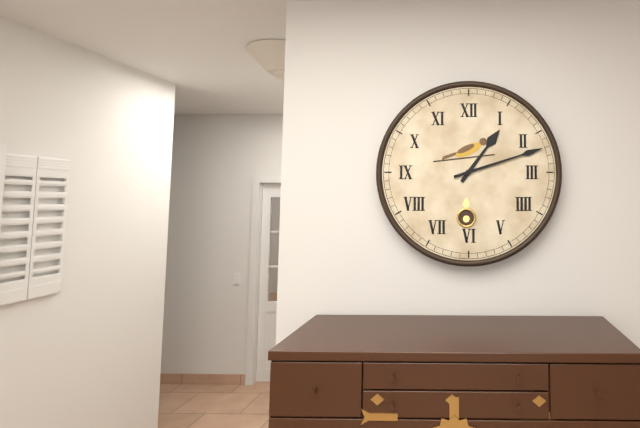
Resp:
1:12
